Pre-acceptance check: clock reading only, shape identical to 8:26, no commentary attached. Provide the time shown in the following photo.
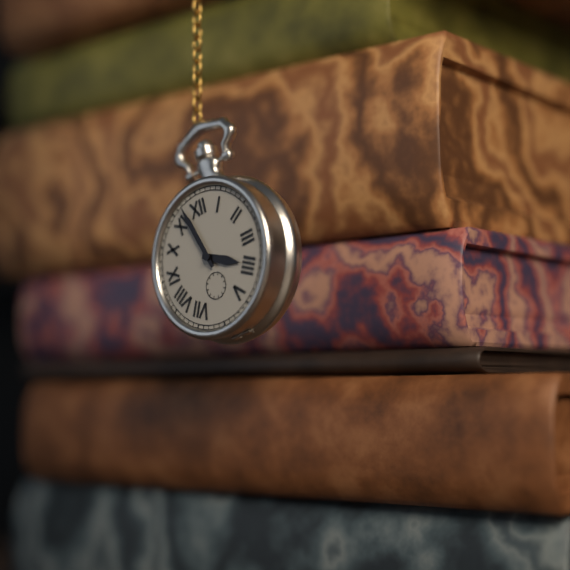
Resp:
3:57
